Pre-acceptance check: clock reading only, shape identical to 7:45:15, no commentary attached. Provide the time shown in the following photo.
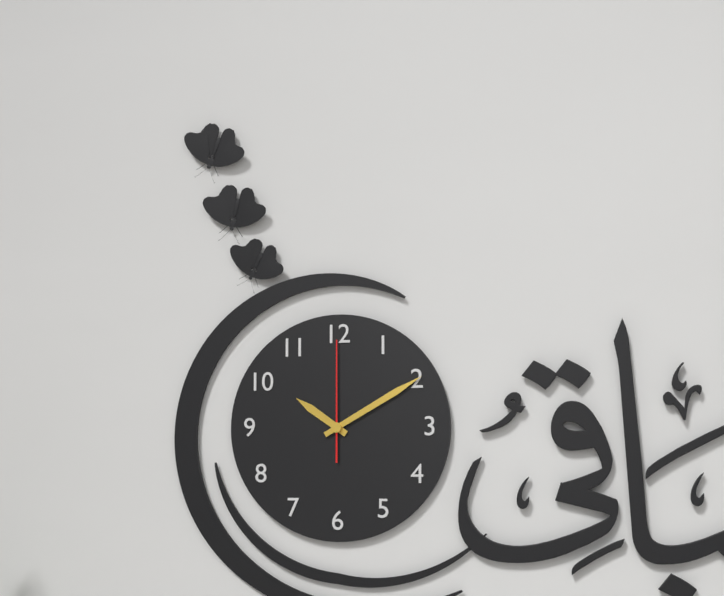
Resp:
10:10:00
